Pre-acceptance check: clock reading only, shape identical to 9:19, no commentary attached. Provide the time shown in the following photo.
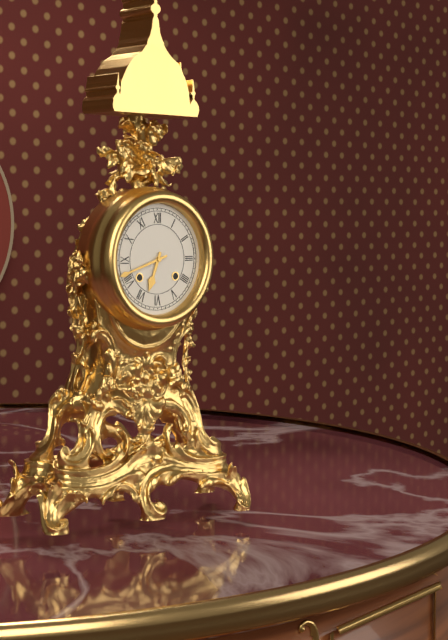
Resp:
6:42
